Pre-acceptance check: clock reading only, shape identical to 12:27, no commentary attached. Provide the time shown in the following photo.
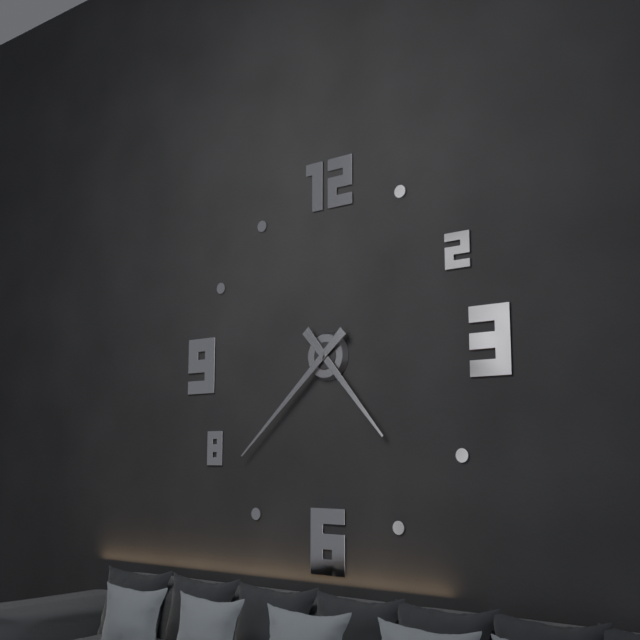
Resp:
4:38
